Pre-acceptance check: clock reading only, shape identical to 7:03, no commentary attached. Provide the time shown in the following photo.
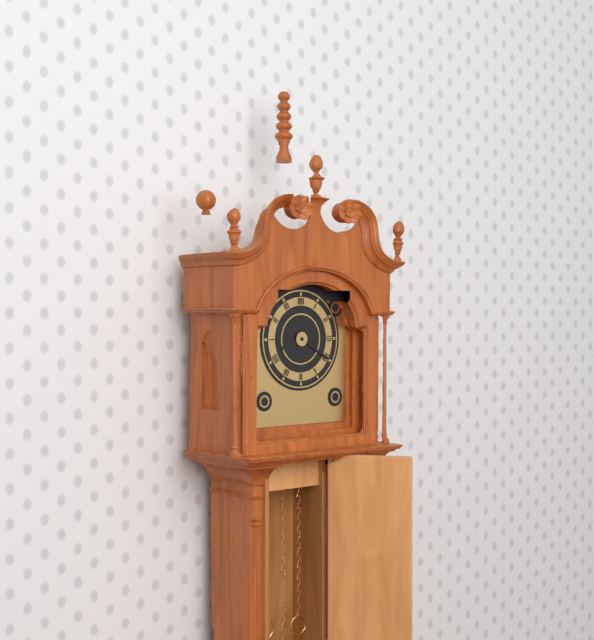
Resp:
8:20
